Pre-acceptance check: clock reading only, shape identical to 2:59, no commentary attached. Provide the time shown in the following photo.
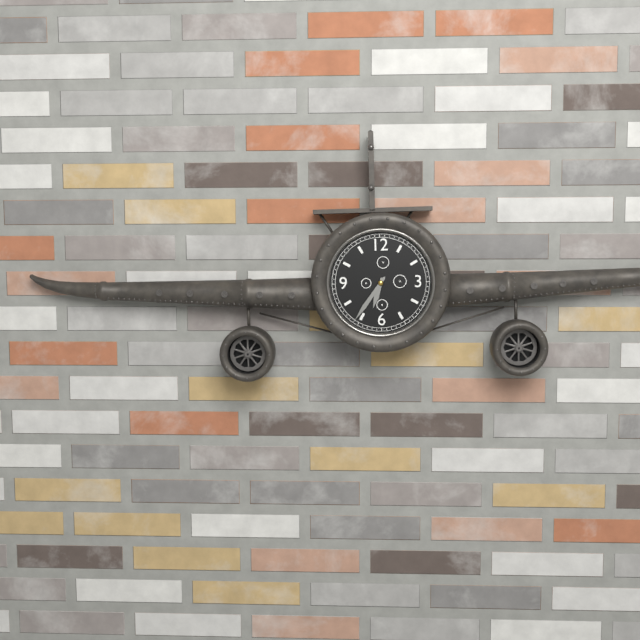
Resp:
6:36
